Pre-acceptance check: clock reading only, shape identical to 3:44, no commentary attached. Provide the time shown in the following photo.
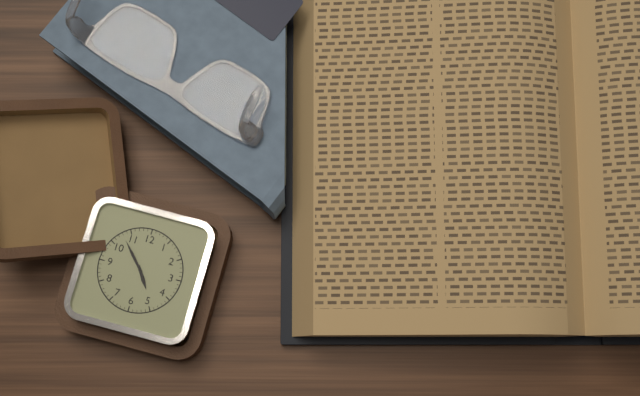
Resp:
4:53
